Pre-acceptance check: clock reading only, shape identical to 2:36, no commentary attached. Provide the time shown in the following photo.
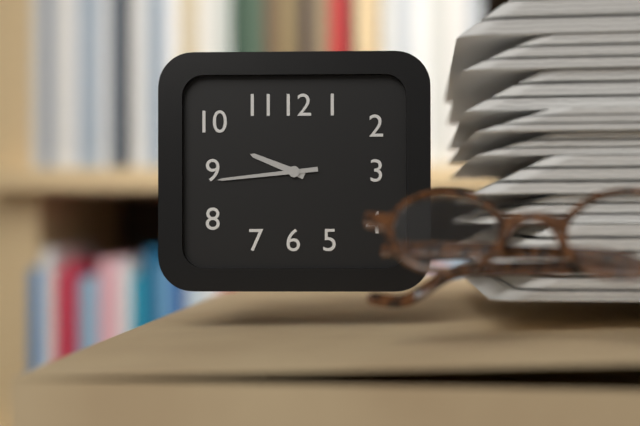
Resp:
9:44
